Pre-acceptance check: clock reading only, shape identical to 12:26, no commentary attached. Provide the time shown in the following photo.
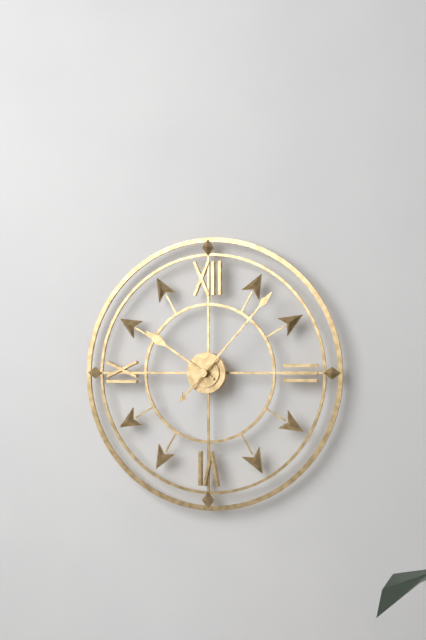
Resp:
10:07
